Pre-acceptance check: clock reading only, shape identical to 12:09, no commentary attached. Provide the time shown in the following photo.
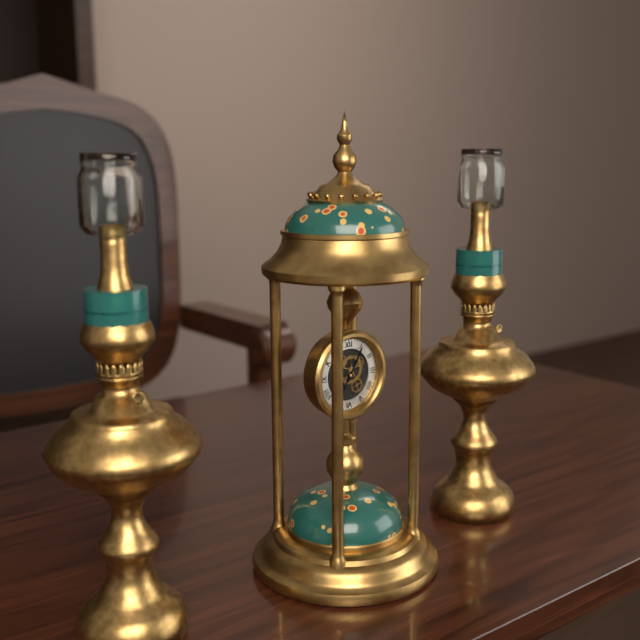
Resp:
7:05
